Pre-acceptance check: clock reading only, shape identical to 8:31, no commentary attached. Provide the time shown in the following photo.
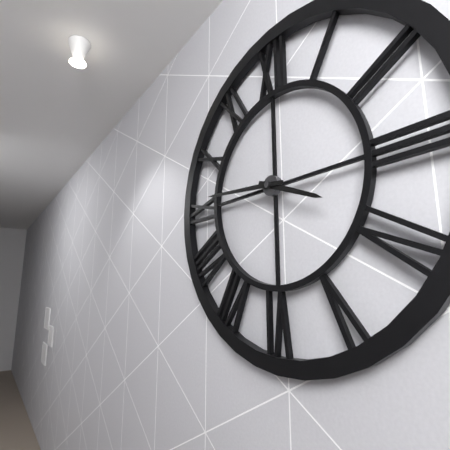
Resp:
3:46
